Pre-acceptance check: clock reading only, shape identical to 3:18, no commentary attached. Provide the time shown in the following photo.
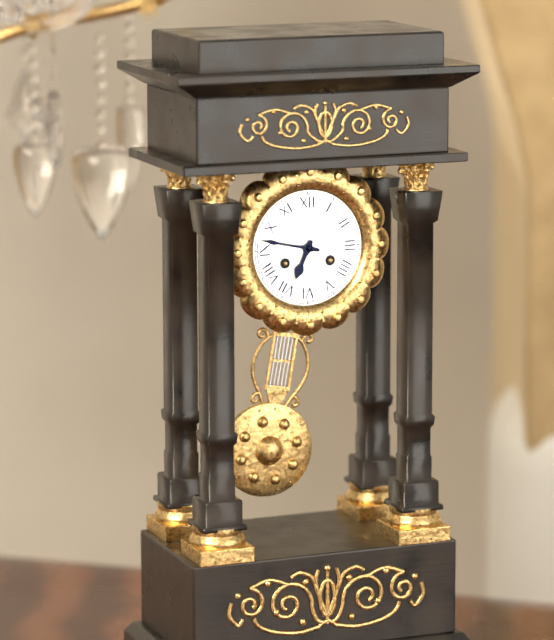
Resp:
6:47
